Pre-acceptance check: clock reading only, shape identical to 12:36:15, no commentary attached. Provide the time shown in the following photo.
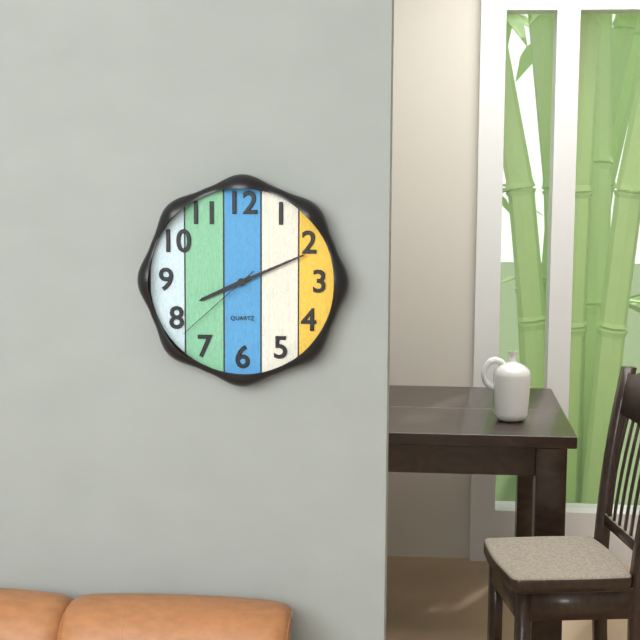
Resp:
8:11:38
